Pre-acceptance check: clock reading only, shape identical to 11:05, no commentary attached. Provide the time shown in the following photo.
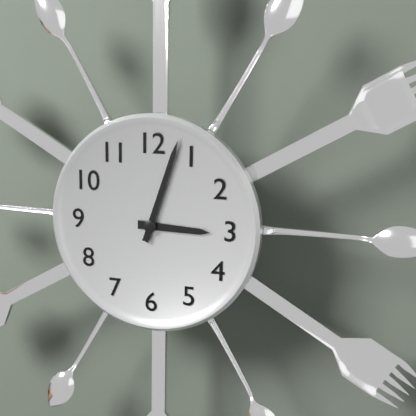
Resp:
3:03
